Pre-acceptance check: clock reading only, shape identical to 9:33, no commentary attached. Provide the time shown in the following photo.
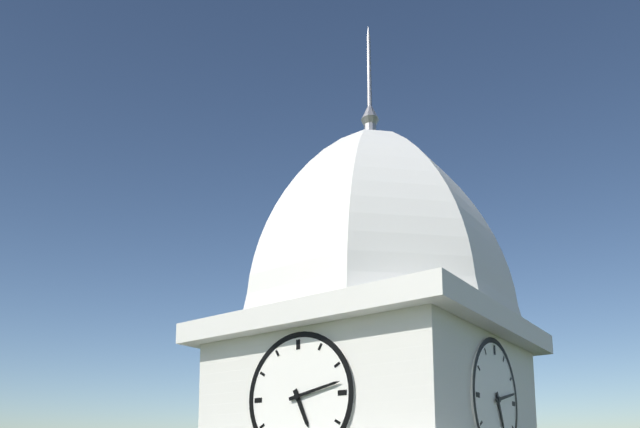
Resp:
5:13
